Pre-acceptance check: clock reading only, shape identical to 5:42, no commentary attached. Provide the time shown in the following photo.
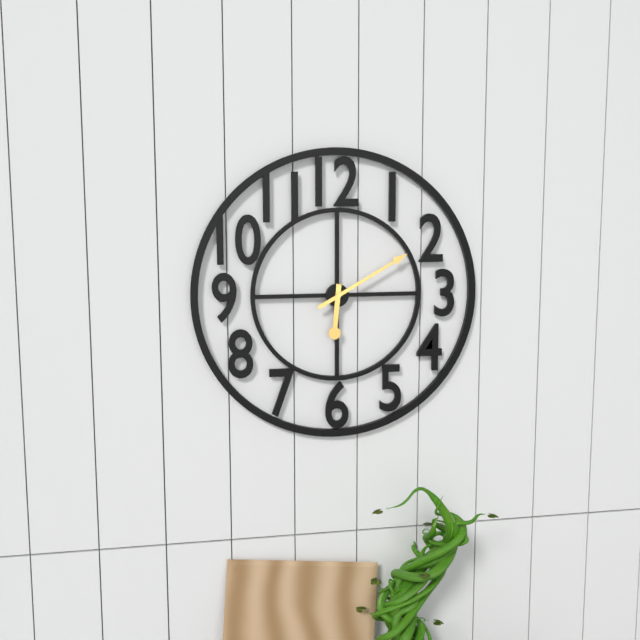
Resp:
6:10
